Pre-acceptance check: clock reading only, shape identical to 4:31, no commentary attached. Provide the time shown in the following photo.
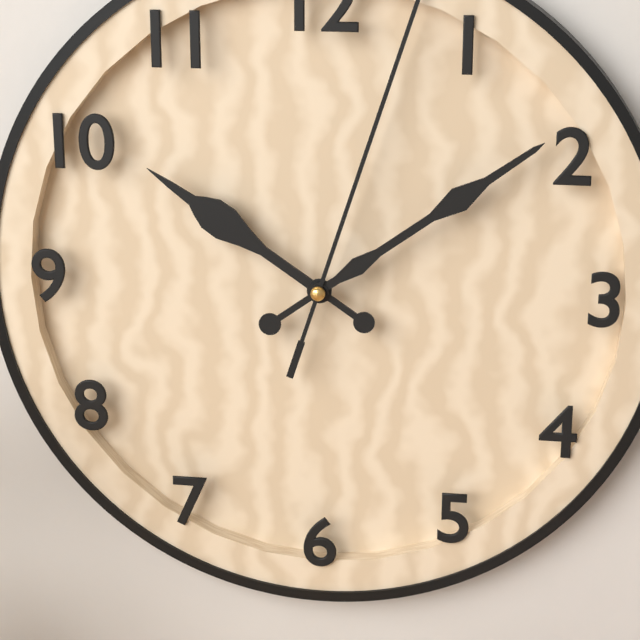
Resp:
10:09
